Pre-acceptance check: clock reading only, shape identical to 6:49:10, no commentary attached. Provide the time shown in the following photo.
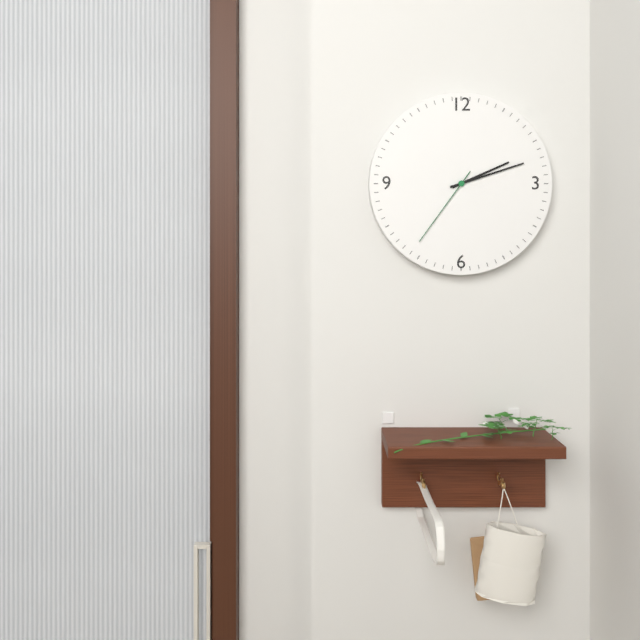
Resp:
2:12:36
